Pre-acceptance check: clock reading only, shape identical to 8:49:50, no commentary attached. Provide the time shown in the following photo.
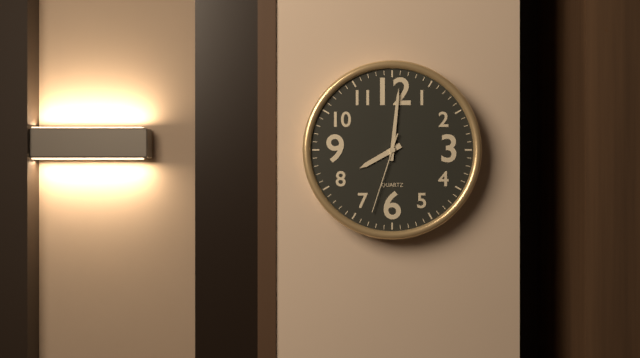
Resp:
8:01:33
